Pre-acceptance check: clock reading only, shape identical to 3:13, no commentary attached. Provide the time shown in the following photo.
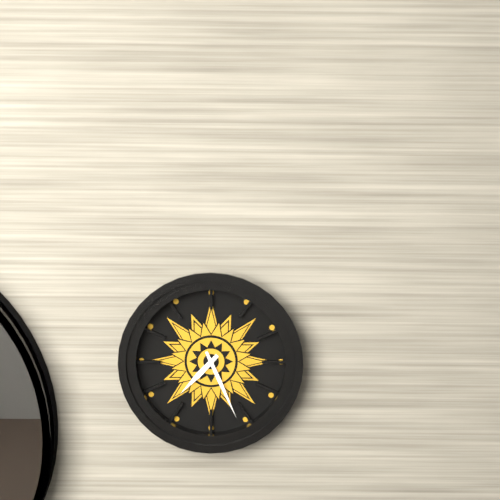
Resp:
7:26
